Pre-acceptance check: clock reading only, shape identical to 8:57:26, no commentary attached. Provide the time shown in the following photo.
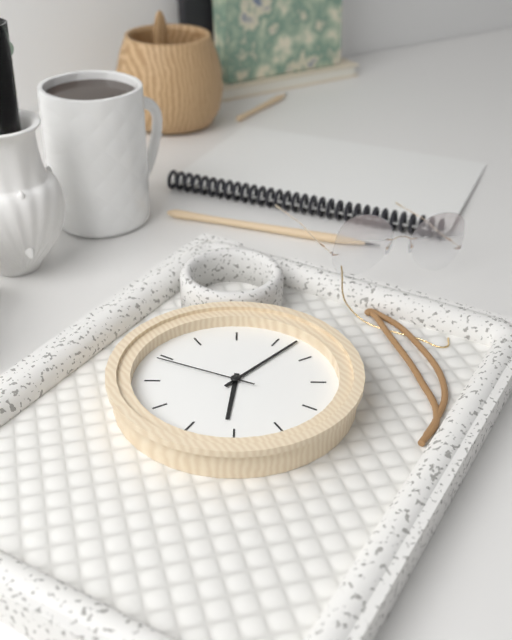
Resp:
7:12:54
